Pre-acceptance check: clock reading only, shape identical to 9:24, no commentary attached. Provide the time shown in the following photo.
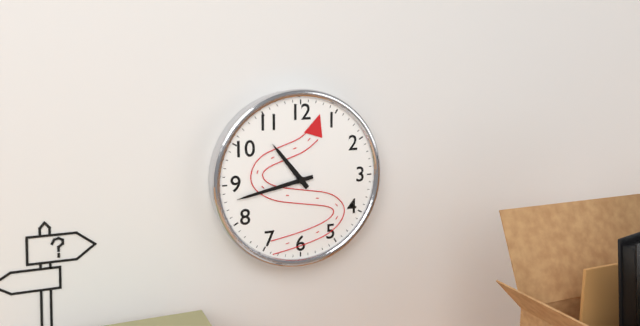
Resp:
10:43
